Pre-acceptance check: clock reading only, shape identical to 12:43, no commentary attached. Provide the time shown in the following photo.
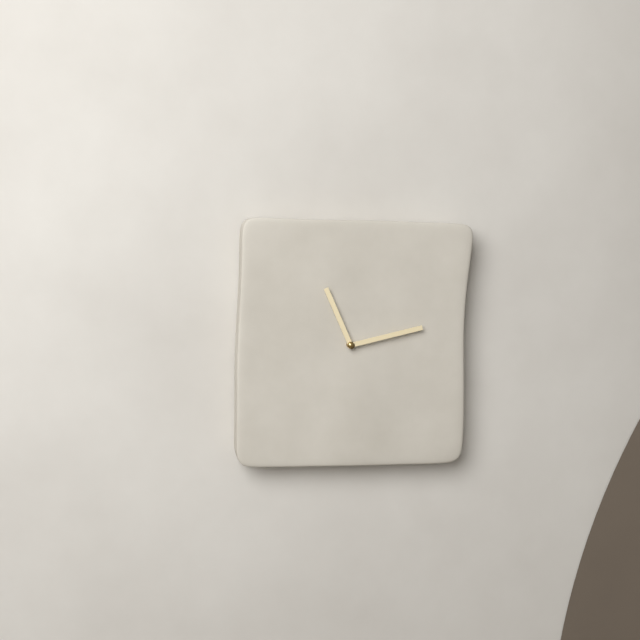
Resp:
11:13
